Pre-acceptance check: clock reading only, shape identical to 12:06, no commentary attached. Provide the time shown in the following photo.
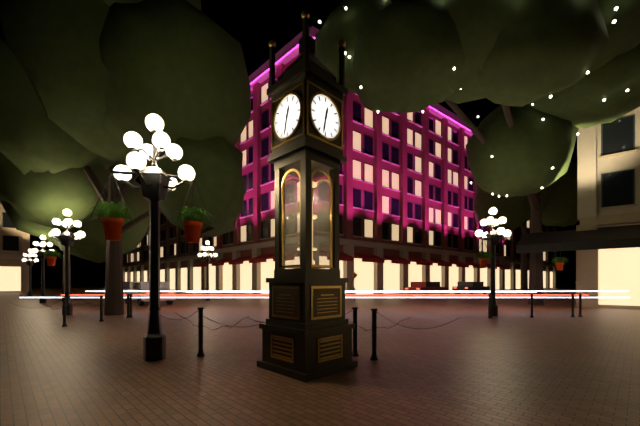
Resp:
12:32
